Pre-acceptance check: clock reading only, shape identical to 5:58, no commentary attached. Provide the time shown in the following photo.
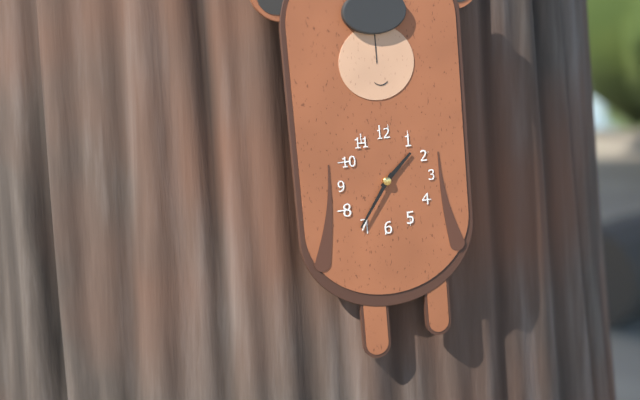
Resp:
1:36
